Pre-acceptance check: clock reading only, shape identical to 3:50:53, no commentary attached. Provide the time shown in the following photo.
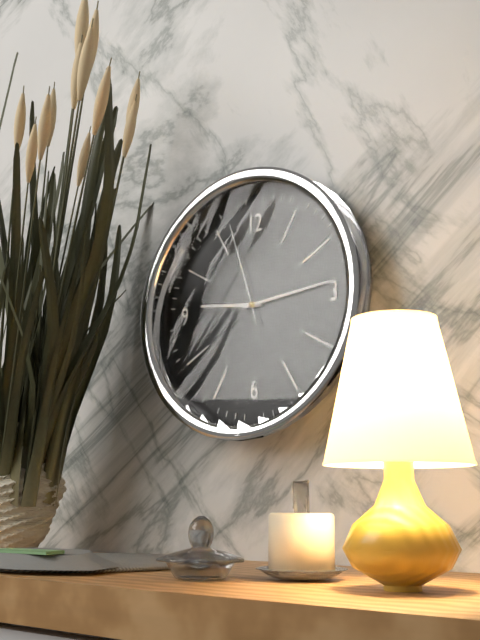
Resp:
9:14:57
